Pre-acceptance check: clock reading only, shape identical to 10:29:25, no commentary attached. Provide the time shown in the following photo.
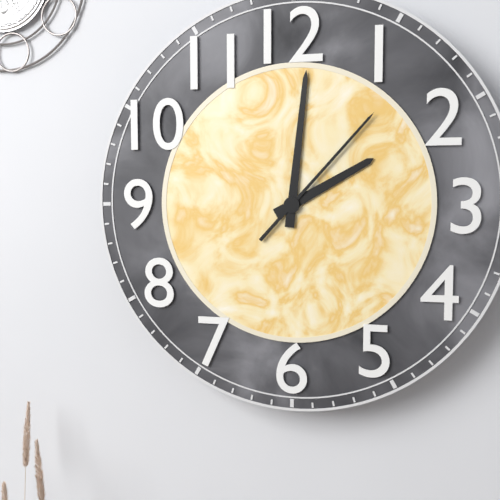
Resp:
2:01:07
